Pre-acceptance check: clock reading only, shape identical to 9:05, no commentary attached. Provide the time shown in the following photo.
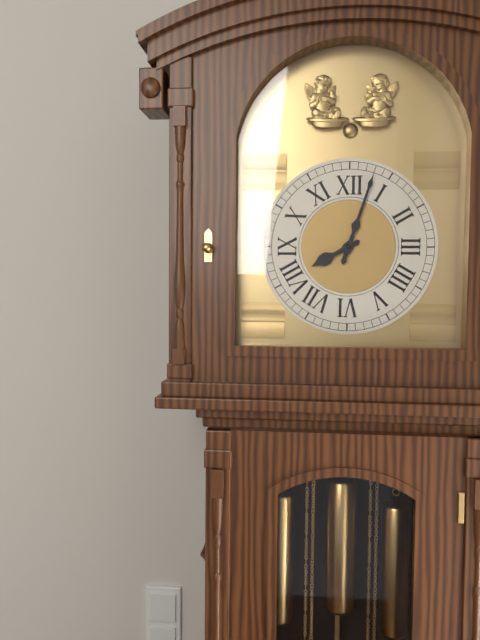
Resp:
8:03
